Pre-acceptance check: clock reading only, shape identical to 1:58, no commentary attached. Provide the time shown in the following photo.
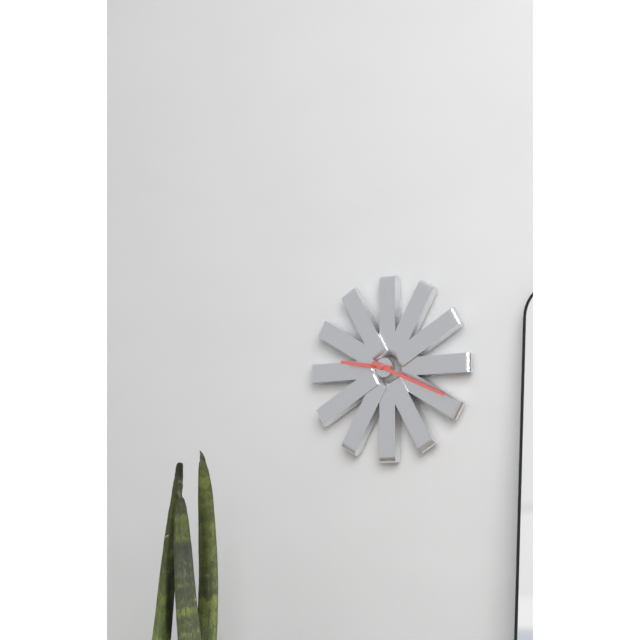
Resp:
9:19
